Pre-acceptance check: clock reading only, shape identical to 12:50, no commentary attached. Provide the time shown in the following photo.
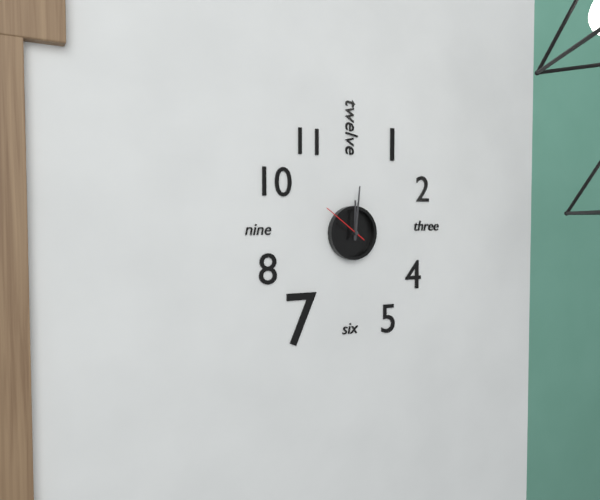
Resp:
12:01
